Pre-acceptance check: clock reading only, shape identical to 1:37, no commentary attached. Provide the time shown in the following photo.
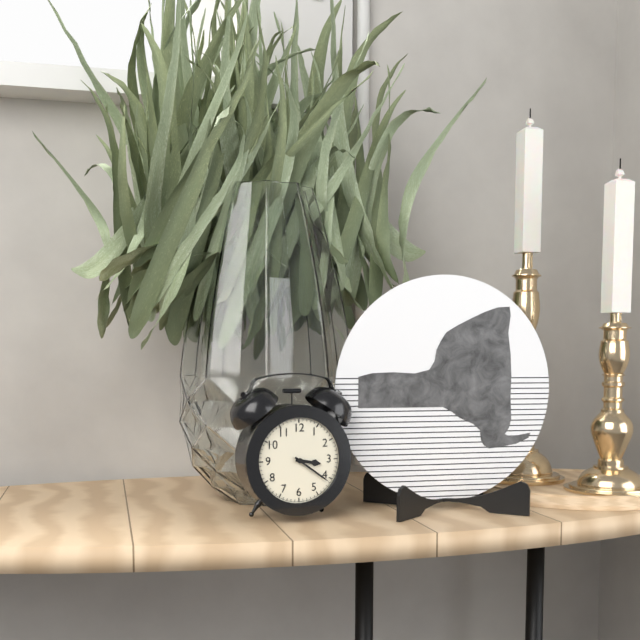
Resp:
3:21
